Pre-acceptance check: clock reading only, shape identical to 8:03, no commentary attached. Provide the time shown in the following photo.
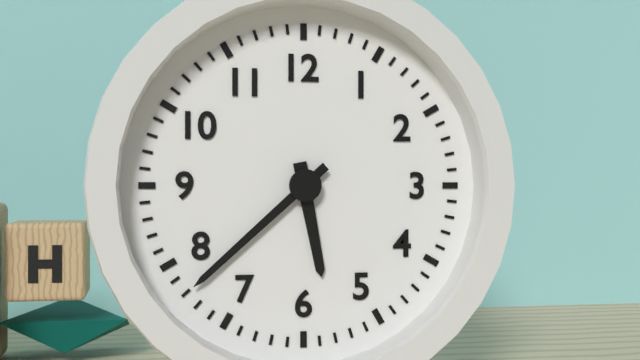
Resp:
5:38
